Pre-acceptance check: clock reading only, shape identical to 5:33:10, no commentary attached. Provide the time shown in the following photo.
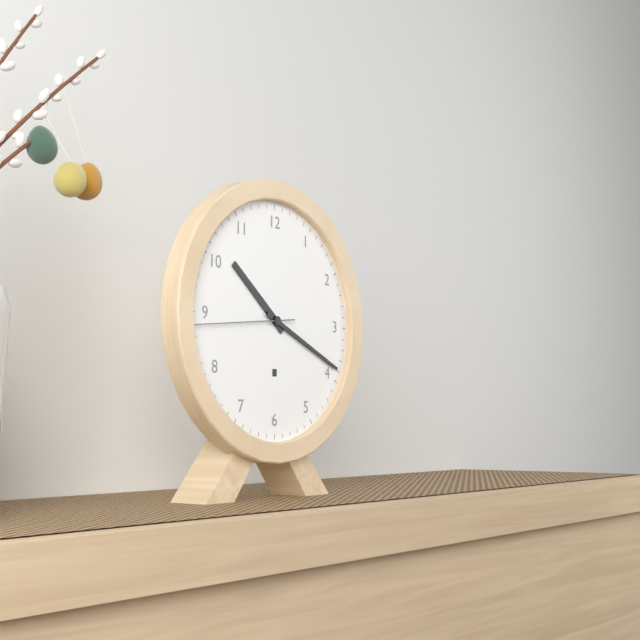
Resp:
10:19:44
